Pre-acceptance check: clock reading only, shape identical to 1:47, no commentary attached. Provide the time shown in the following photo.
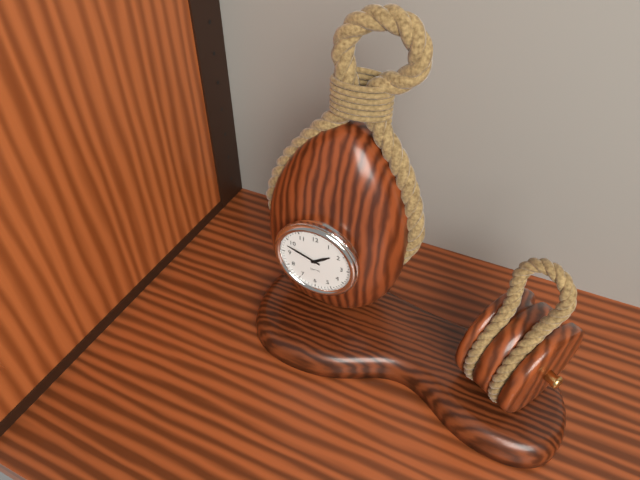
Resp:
1:48
